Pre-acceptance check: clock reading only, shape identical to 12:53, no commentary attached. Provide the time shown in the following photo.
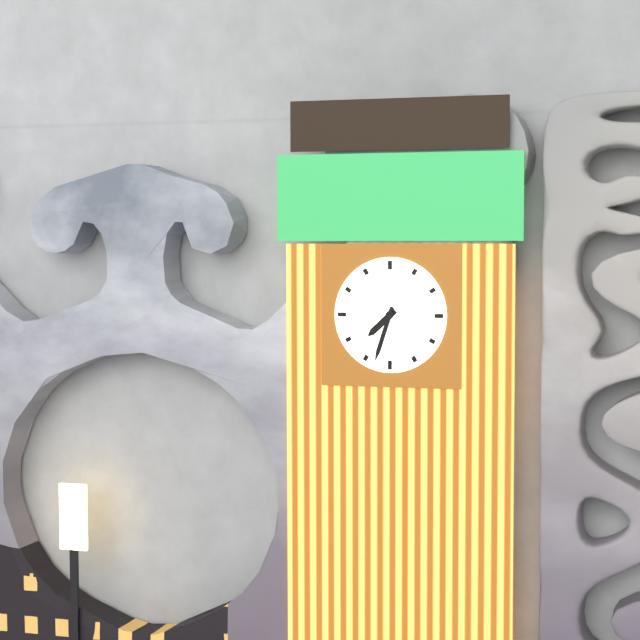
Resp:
7:33
